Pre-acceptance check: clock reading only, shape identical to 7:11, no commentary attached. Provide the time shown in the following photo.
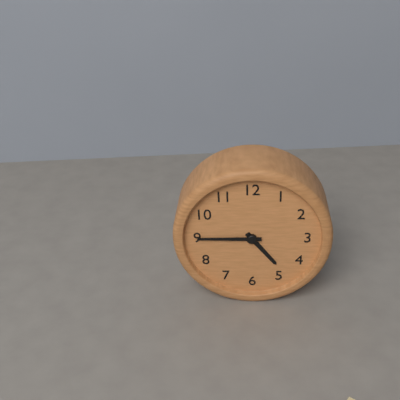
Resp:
4:45
